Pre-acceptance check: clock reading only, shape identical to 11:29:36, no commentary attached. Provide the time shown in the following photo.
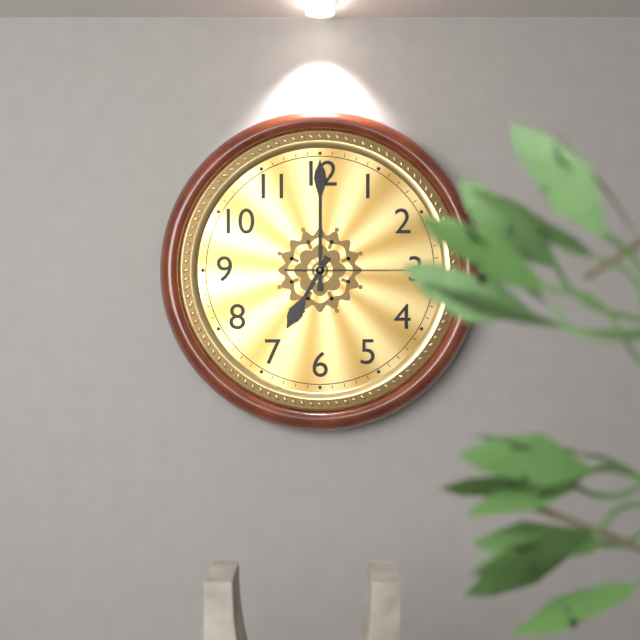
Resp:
7:00:15
